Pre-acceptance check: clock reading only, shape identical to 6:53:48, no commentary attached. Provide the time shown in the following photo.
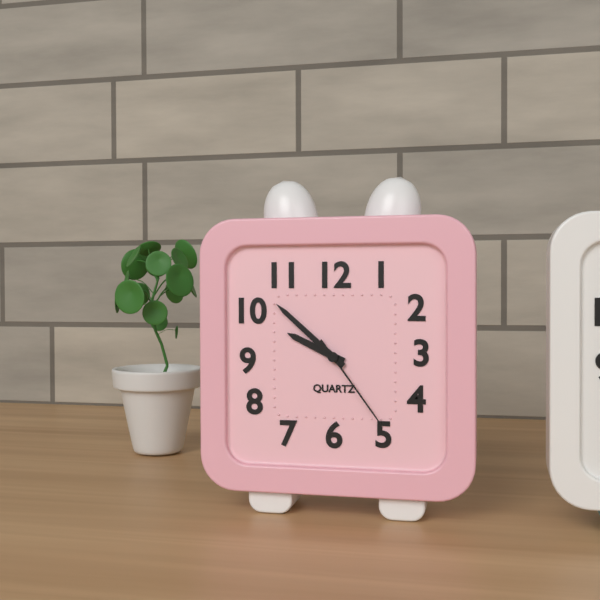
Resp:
9:52:24
